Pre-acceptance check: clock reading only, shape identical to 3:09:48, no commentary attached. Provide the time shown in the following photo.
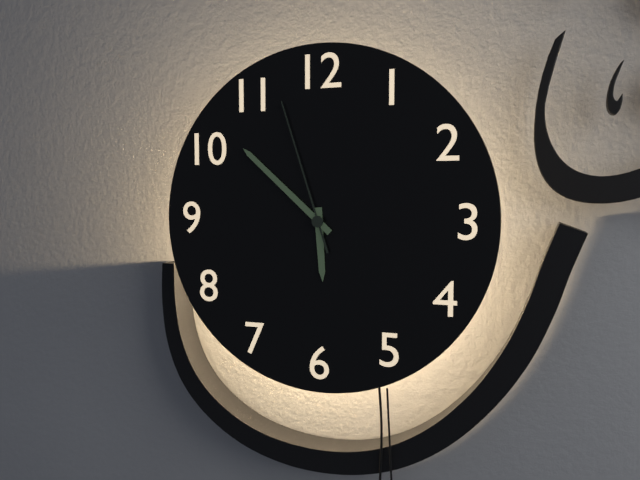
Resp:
5:52:57
